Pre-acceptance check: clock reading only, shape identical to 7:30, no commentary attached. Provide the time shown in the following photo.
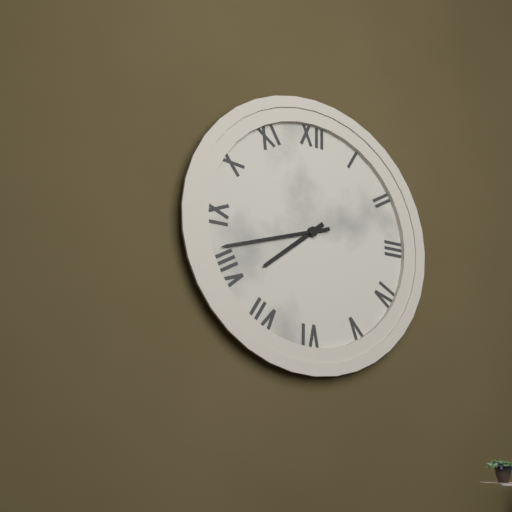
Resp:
7:42
